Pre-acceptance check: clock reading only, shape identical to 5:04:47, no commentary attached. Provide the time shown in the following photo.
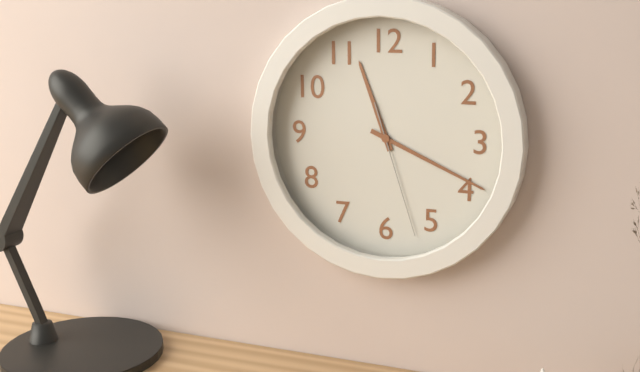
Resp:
11:19:27
